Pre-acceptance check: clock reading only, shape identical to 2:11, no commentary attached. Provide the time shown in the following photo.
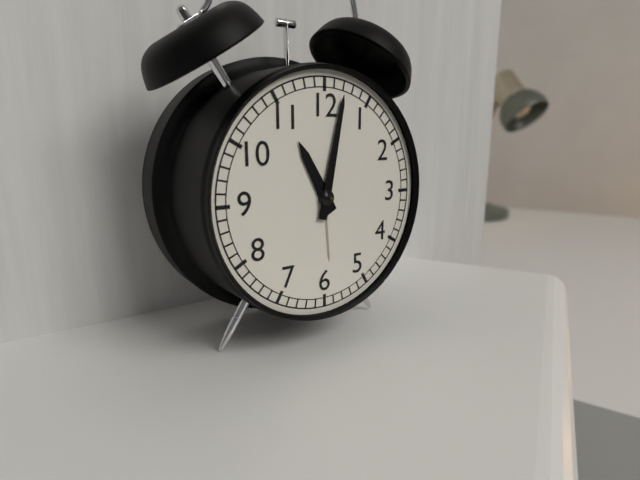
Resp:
11:02
